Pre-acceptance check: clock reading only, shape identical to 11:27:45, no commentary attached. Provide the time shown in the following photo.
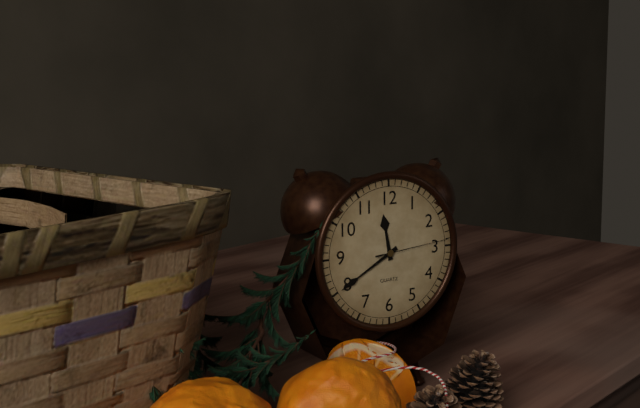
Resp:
11:40:14
